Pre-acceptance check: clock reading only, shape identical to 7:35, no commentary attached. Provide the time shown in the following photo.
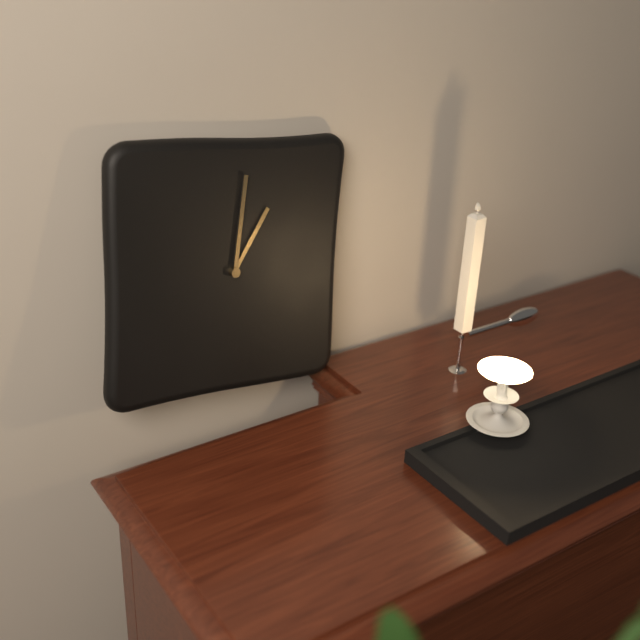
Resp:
1:01
